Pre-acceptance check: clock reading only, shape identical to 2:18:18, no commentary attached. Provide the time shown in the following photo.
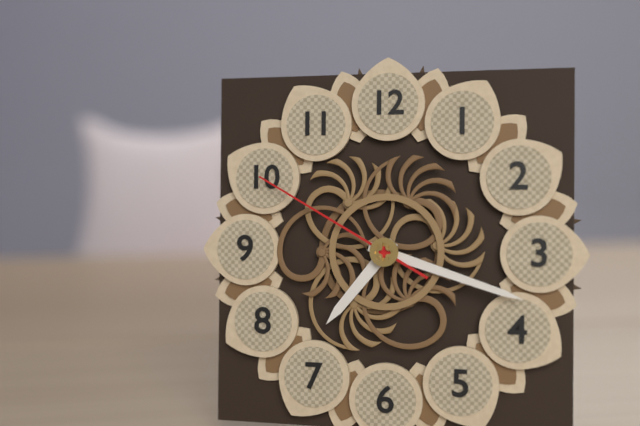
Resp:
7:18:50
